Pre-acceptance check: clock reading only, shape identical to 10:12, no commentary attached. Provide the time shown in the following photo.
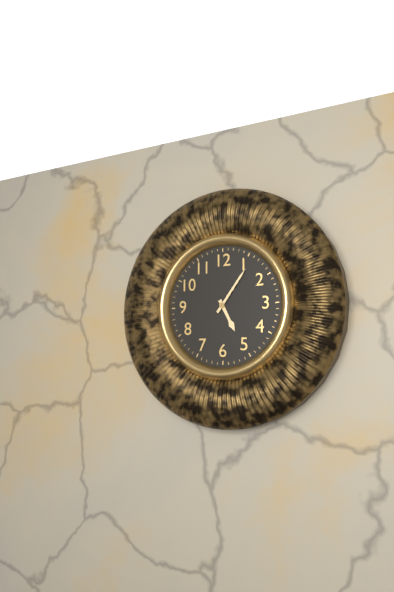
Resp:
5:06
